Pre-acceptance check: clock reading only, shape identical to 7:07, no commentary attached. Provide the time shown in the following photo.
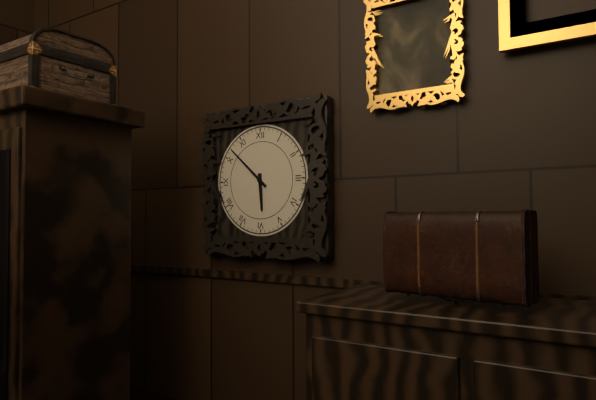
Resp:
5:52
